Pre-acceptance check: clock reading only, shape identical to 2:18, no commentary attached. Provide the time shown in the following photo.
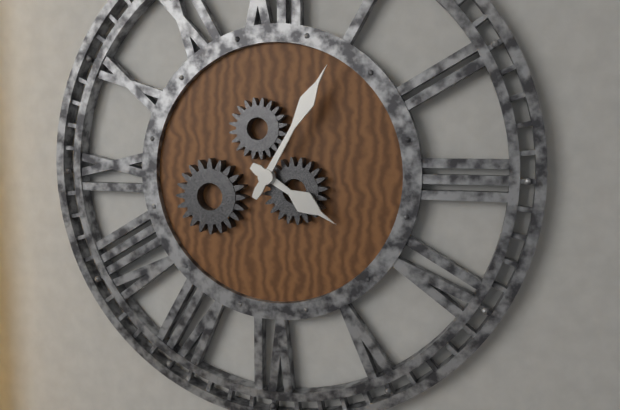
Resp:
4:05
